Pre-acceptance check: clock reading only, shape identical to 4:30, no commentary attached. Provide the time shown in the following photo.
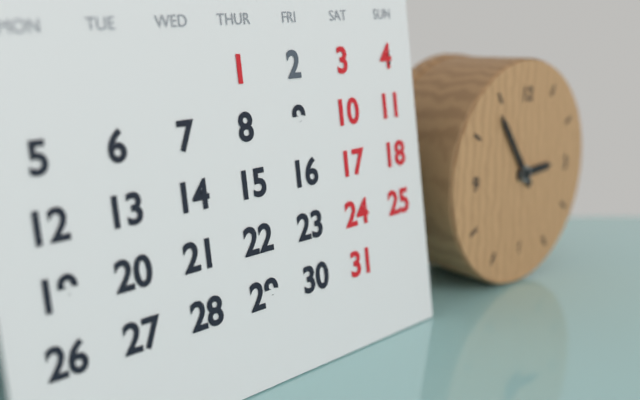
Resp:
2:54
